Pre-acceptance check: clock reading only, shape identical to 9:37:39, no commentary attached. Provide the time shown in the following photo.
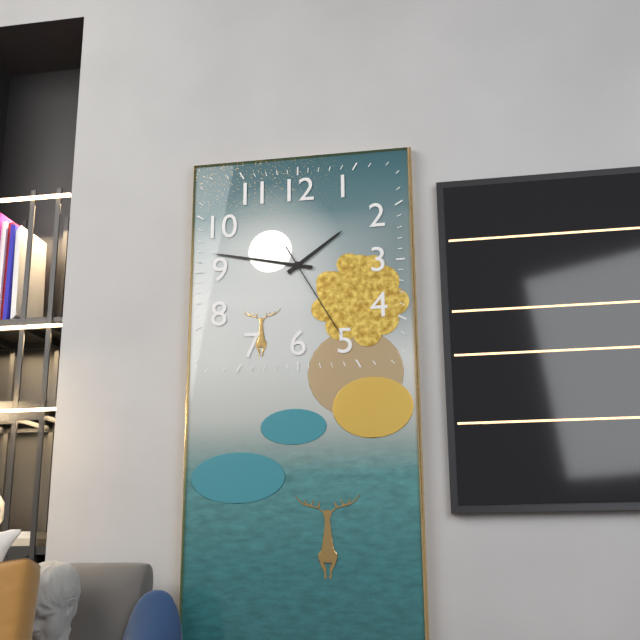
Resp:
1:47:25
